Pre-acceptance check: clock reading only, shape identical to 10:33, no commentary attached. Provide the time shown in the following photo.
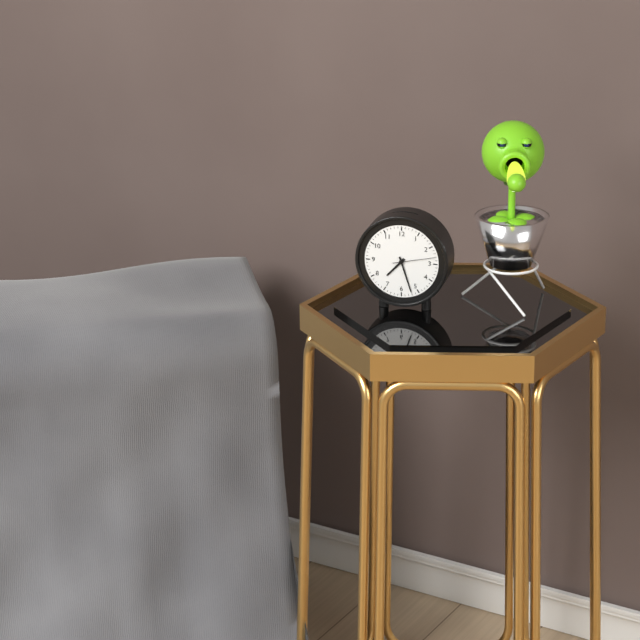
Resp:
7:27
